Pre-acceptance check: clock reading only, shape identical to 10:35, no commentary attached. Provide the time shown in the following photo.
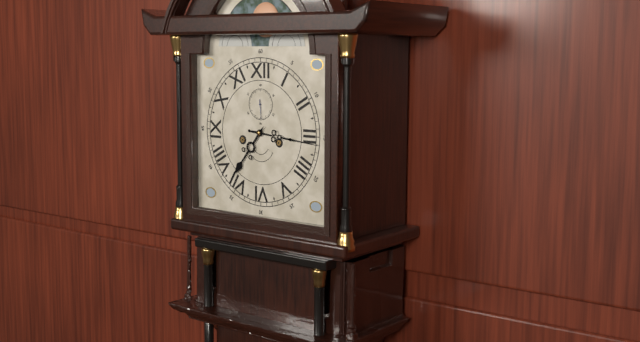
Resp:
7:16
